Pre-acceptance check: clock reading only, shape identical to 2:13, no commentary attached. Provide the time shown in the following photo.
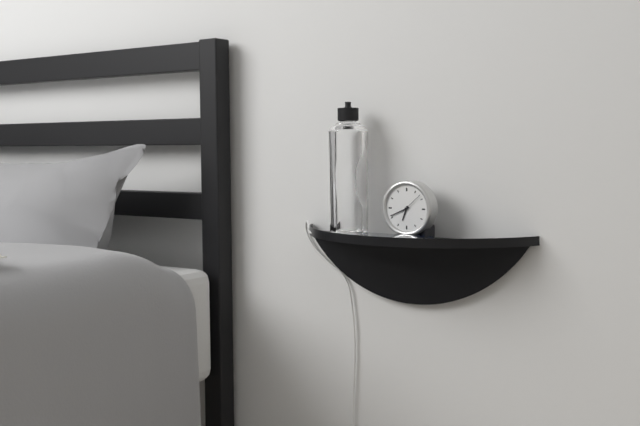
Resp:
6:41
